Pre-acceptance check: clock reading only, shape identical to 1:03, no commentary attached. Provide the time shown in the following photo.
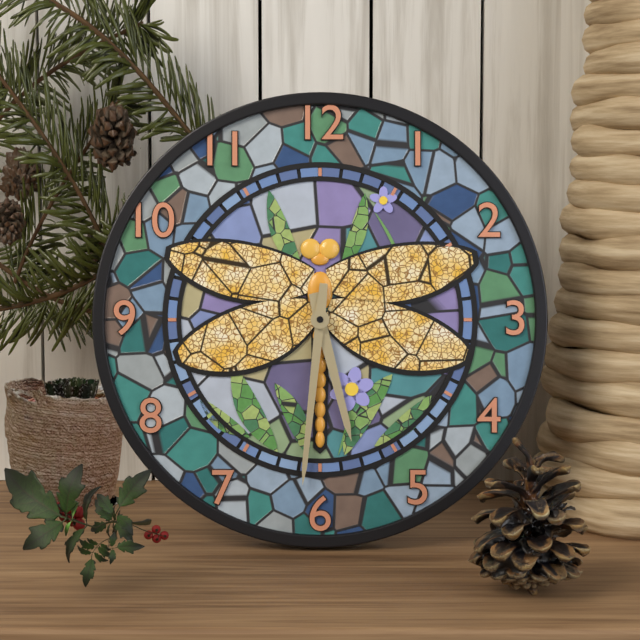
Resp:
5:31
